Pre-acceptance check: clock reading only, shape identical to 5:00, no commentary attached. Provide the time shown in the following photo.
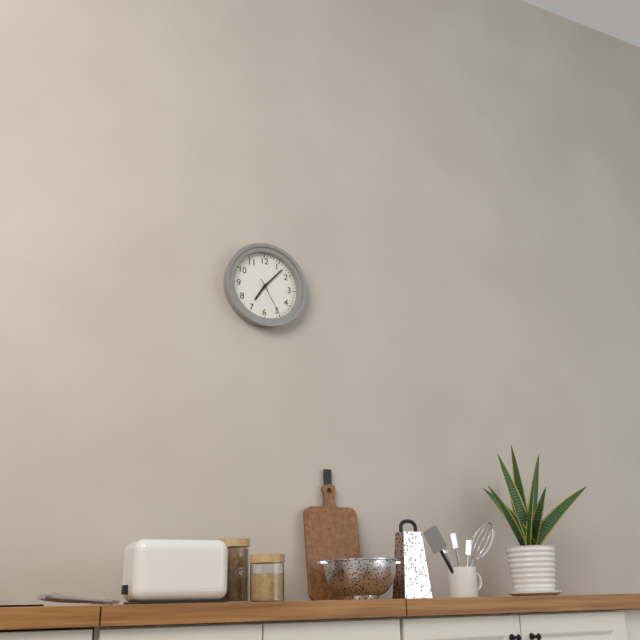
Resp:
7:07
